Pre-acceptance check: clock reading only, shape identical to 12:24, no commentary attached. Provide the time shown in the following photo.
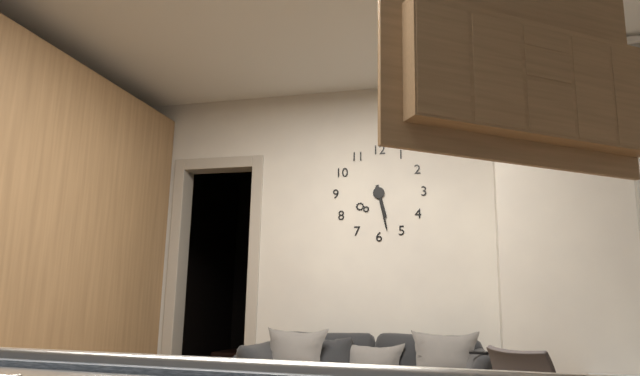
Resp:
5:28
